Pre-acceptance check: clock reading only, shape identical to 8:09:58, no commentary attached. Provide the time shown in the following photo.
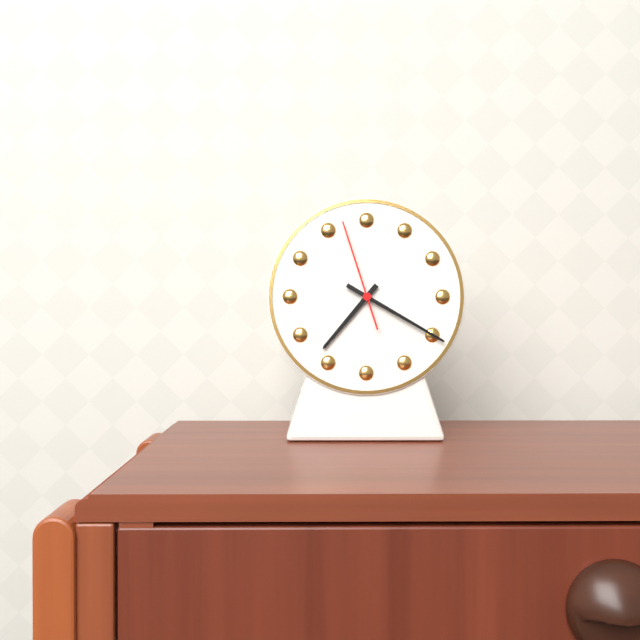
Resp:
7:20:57
